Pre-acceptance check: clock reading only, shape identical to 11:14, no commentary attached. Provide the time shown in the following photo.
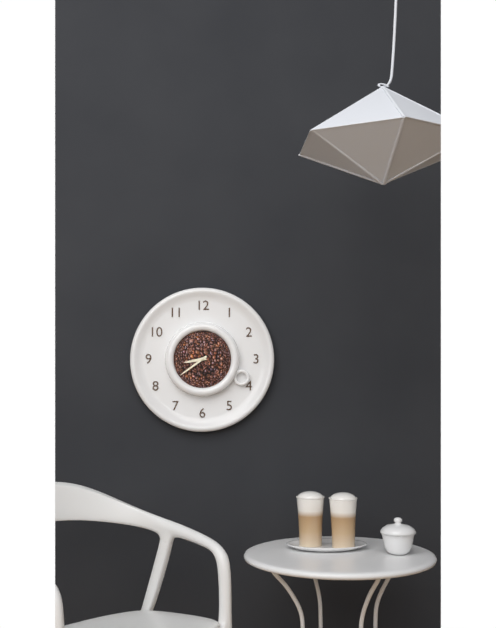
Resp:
8:39
